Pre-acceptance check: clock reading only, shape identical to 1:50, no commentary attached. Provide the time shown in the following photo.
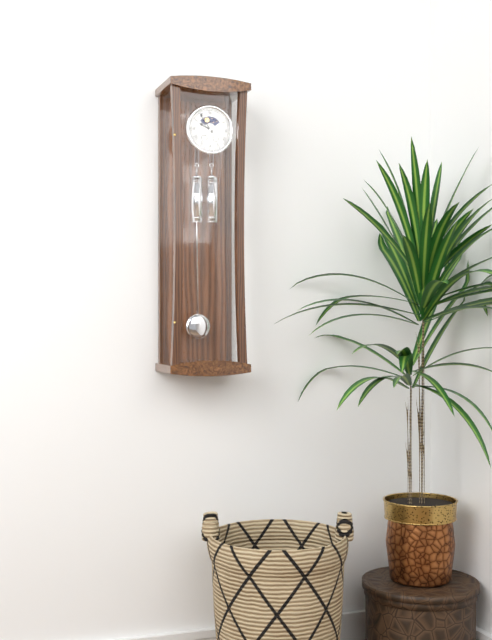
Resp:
9:54
